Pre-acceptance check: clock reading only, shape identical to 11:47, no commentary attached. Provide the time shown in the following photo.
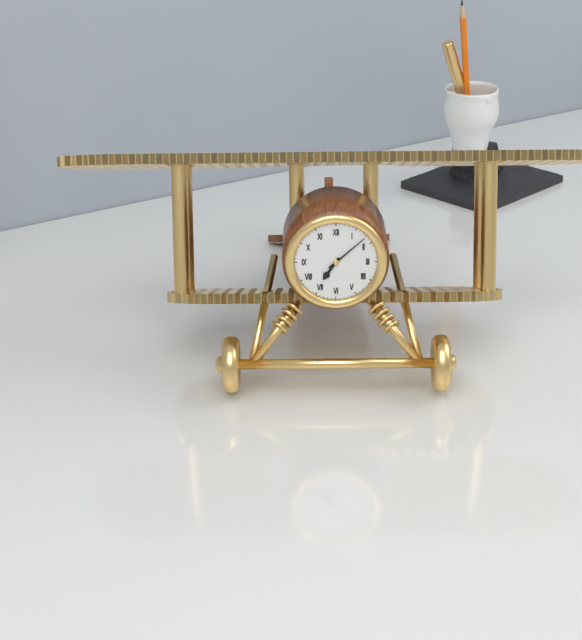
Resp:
7:08
